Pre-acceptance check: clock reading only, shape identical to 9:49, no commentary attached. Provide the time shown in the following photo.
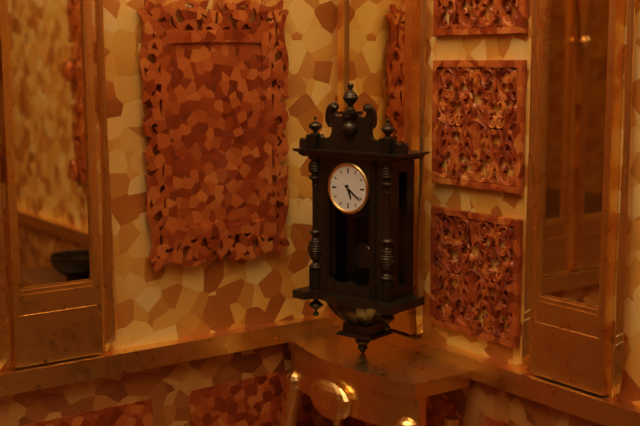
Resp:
5:21
